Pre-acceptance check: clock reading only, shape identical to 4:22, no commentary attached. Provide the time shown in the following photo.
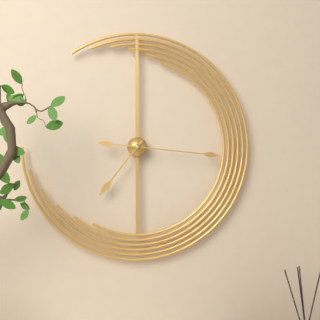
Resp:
7:16
